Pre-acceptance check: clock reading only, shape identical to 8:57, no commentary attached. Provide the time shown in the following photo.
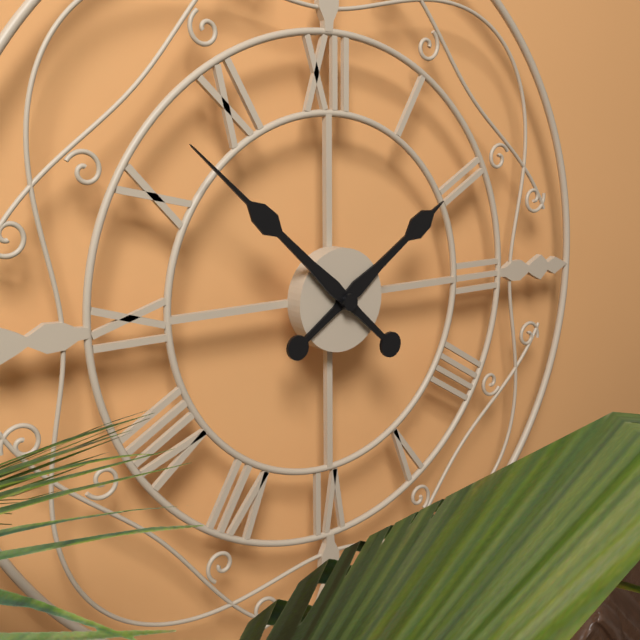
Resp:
1:52
